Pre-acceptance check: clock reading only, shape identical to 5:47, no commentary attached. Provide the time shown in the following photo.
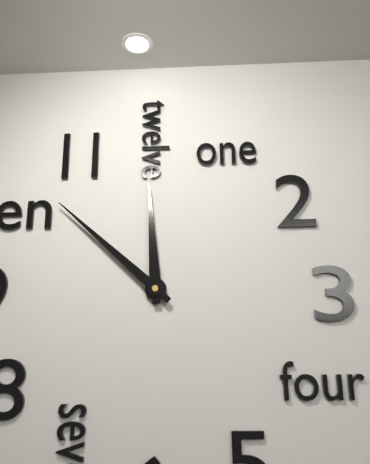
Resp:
11:52
